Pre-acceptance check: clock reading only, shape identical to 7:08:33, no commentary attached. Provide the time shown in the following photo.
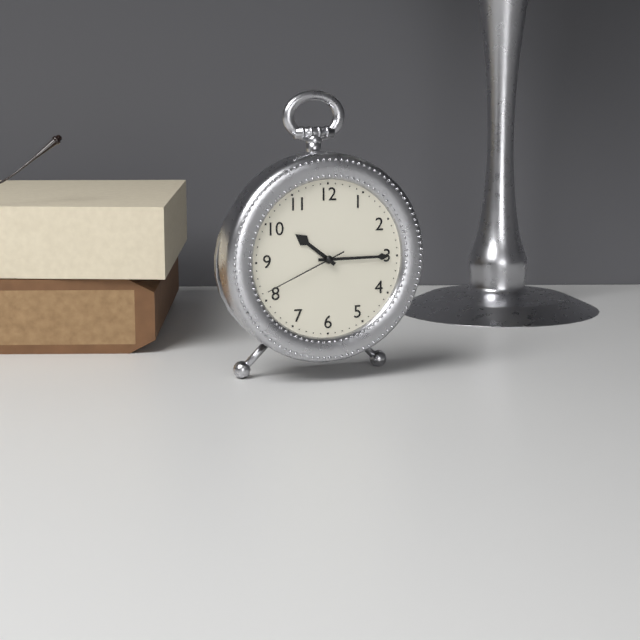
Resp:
10:15:41
